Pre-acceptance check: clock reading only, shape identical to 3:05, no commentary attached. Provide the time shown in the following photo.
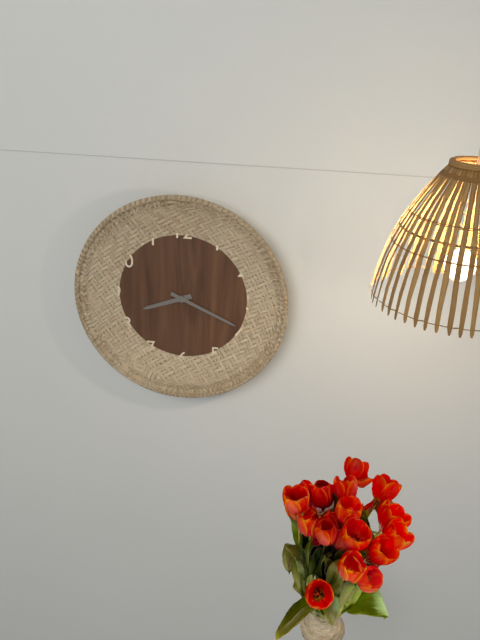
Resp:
8:19
